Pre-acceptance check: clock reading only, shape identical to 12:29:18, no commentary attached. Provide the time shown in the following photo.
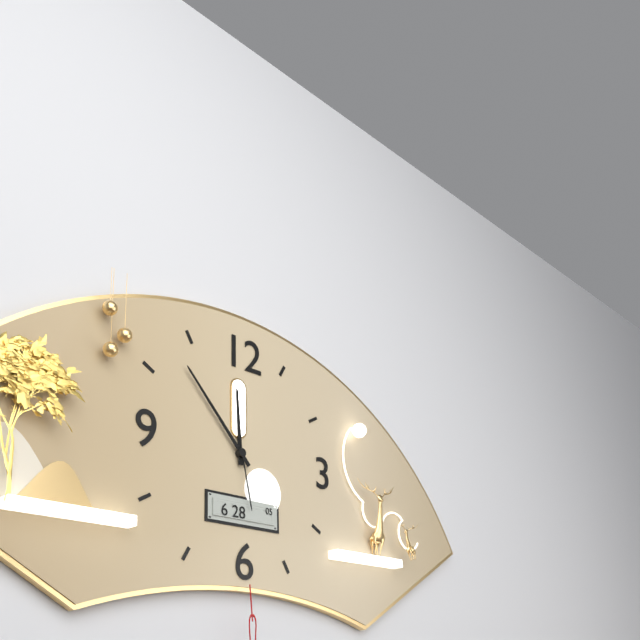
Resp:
11:53:28
